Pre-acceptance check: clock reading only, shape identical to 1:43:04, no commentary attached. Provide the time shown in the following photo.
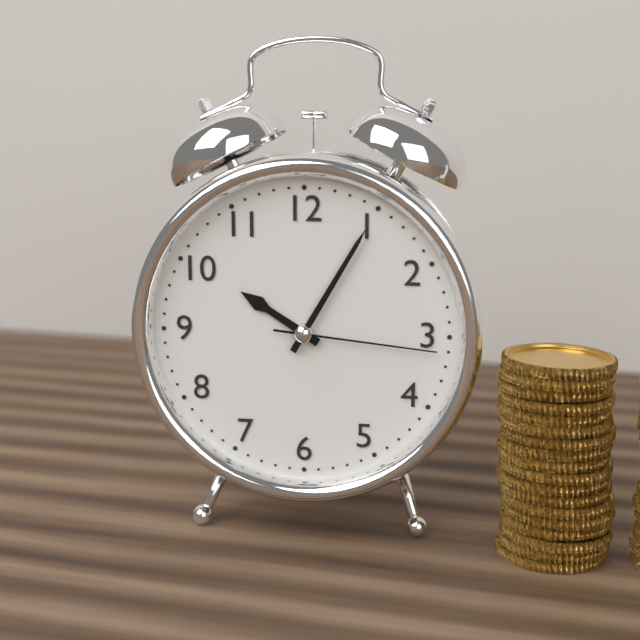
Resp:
10:05:16
